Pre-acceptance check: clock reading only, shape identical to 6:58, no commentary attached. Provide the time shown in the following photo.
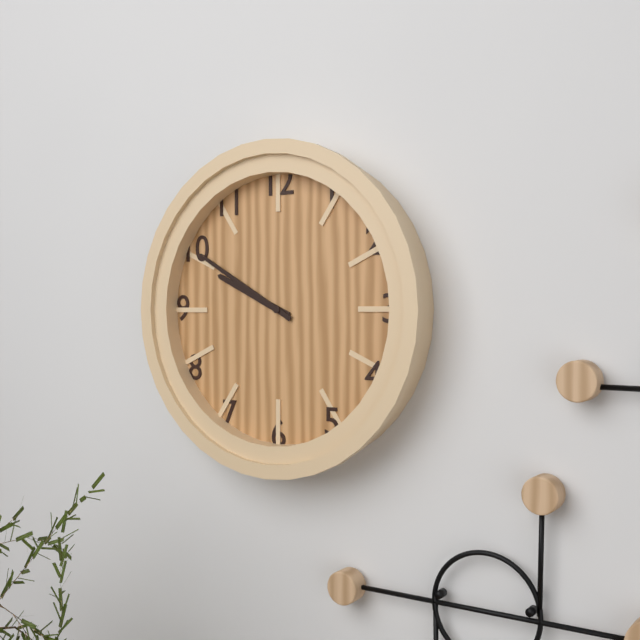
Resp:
9:50
